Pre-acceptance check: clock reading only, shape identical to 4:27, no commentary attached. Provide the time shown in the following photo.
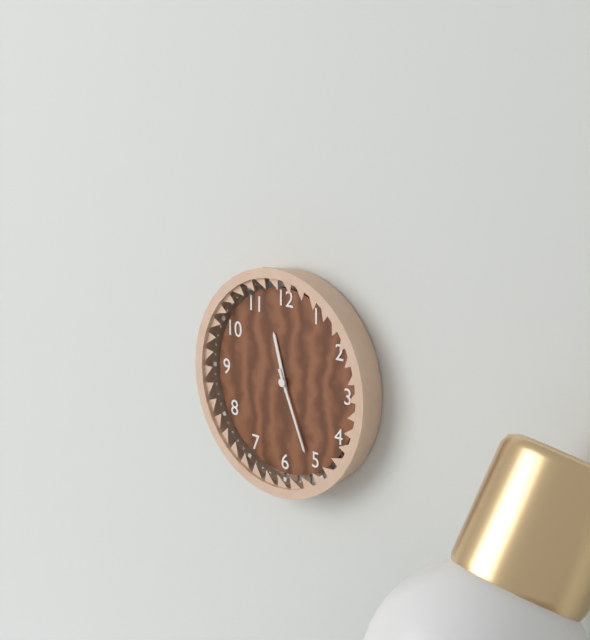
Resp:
11:26
